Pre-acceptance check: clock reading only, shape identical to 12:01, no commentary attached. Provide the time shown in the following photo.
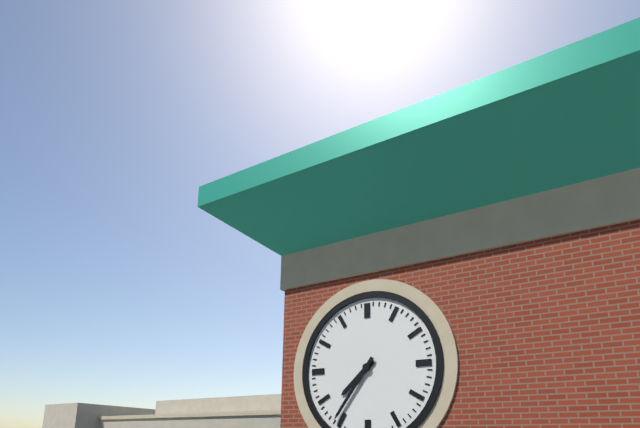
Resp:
7:36
